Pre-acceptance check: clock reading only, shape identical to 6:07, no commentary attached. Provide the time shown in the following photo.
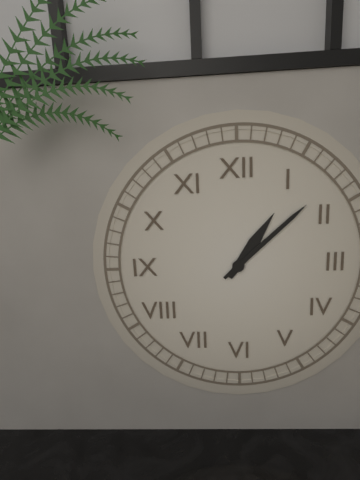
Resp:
1:08
